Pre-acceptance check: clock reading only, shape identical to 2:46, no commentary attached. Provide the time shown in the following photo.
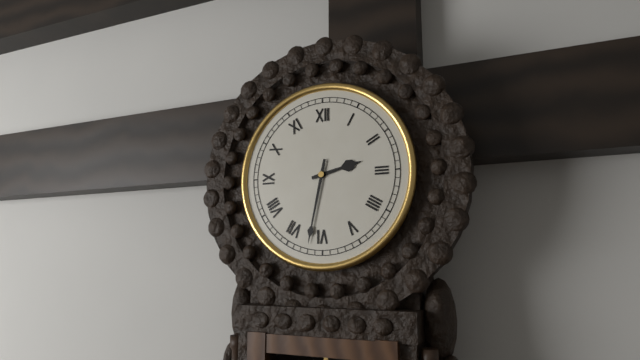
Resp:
2:32
